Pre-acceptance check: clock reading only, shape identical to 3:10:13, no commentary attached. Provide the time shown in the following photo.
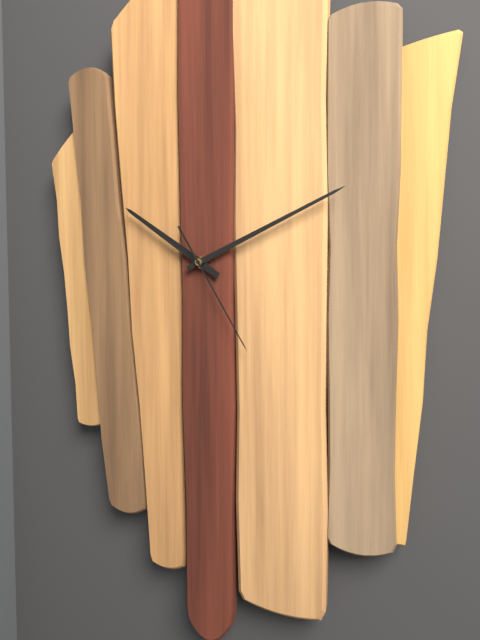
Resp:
10:11:25
